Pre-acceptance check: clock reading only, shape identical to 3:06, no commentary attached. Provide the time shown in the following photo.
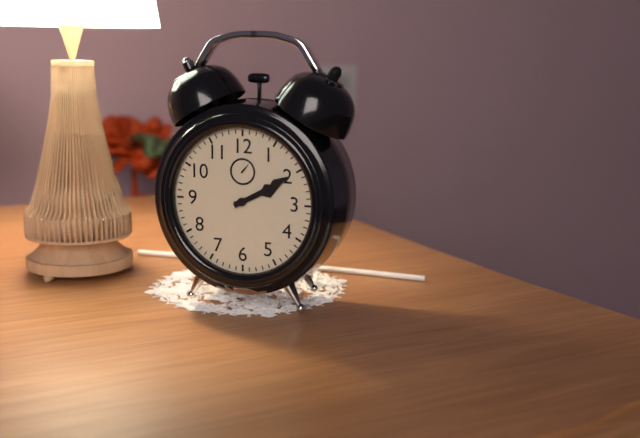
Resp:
2:10
